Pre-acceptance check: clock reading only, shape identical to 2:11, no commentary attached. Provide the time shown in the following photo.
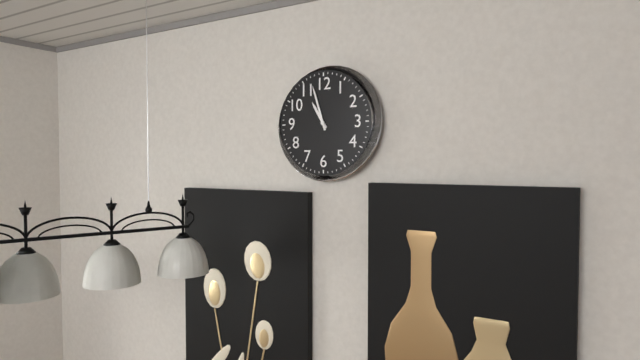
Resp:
10:57
